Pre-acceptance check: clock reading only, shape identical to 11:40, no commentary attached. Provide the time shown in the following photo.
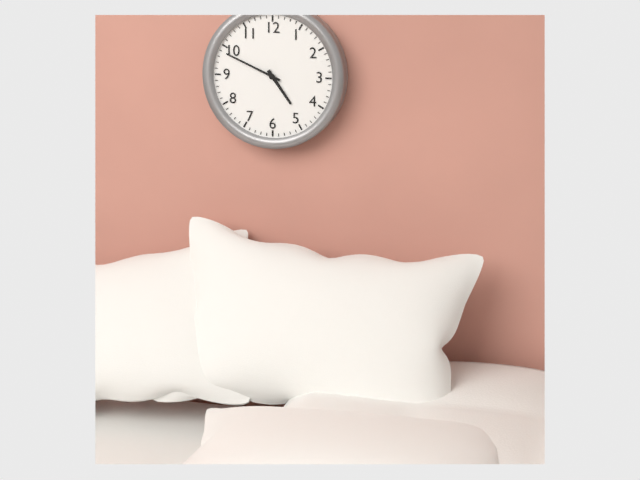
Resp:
4:49
